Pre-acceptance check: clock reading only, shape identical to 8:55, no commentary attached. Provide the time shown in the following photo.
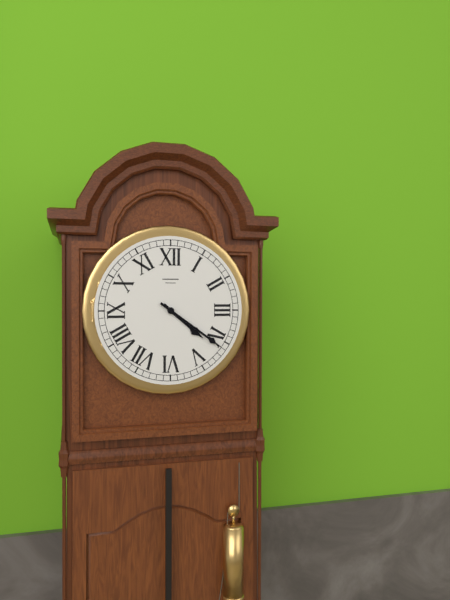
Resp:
4:21
